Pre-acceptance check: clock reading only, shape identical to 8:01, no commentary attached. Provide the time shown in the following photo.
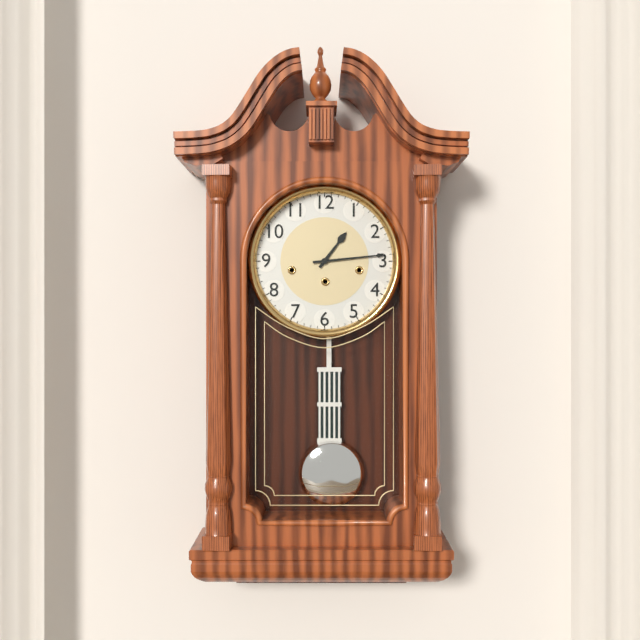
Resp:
1:14
